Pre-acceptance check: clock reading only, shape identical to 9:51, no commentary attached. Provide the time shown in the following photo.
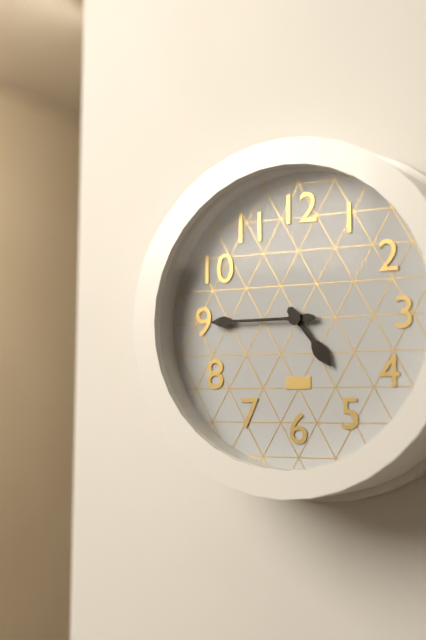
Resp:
4:45
